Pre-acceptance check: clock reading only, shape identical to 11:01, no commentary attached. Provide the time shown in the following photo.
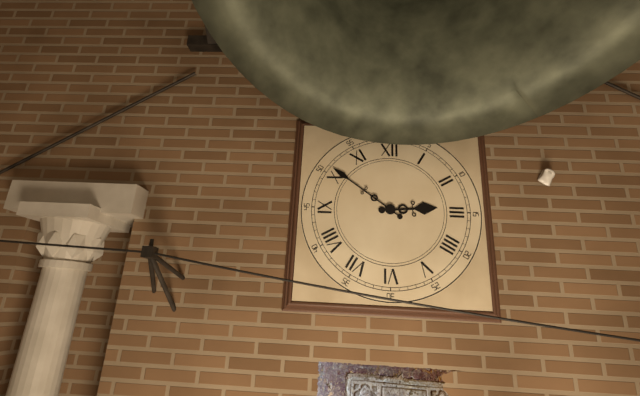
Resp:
2:51
